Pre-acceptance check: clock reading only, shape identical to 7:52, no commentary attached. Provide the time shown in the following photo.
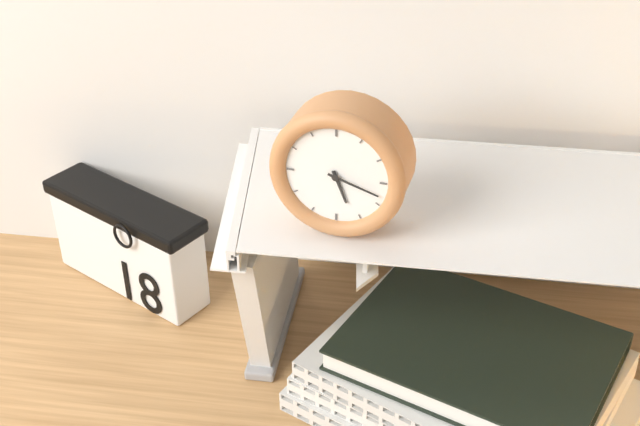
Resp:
5:18
